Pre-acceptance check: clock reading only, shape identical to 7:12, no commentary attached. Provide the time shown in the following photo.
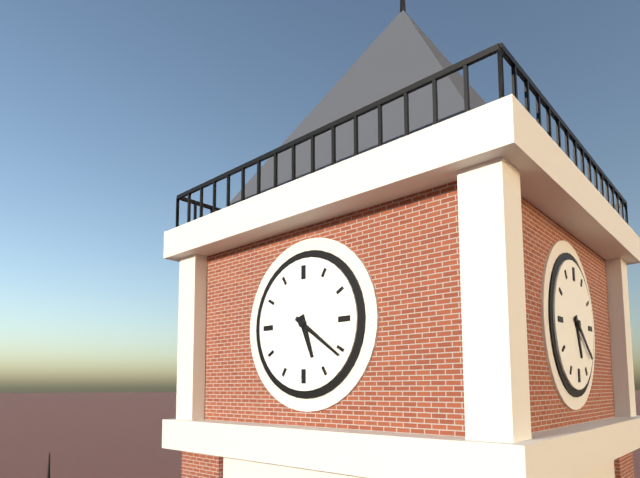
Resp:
5:21
